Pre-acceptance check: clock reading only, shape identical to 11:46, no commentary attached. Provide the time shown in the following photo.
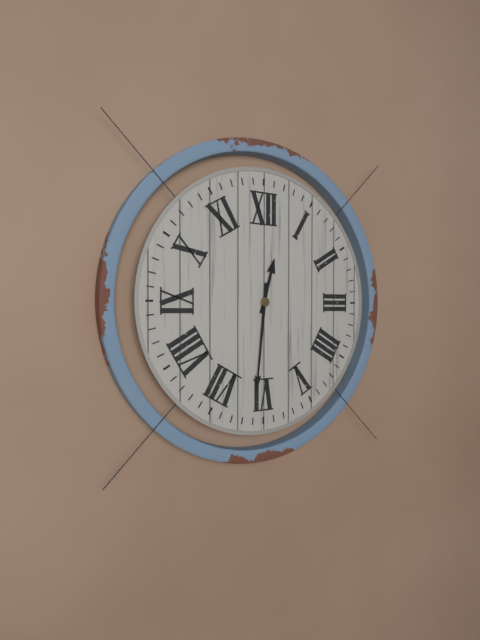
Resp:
12:31
